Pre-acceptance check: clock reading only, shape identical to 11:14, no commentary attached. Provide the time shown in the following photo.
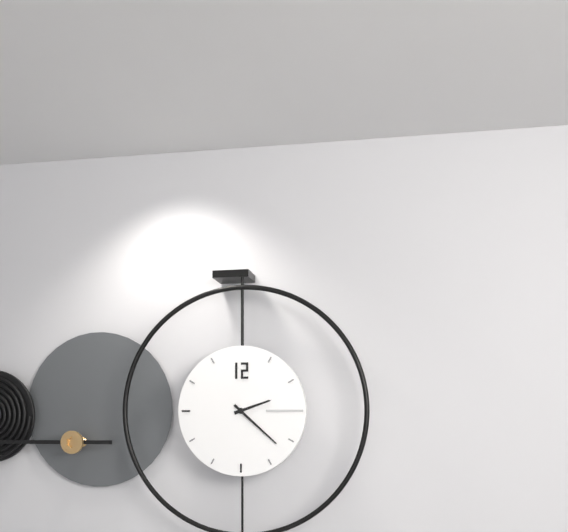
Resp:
2:22
